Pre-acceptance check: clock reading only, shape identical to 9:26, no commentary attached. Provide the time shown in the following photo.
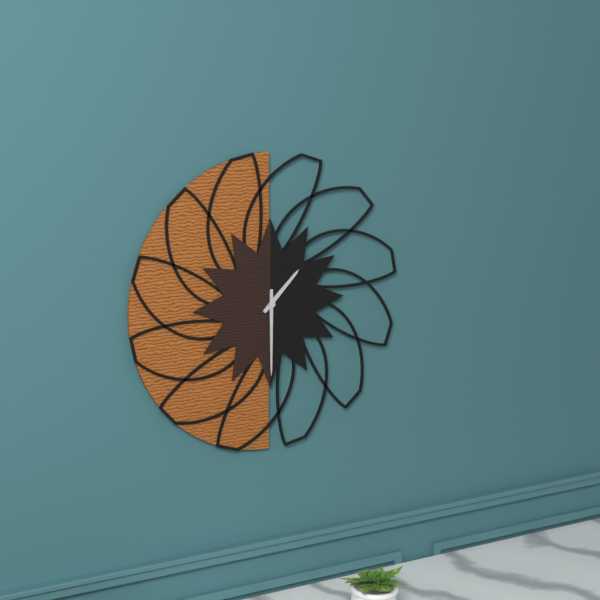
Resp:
1:30
